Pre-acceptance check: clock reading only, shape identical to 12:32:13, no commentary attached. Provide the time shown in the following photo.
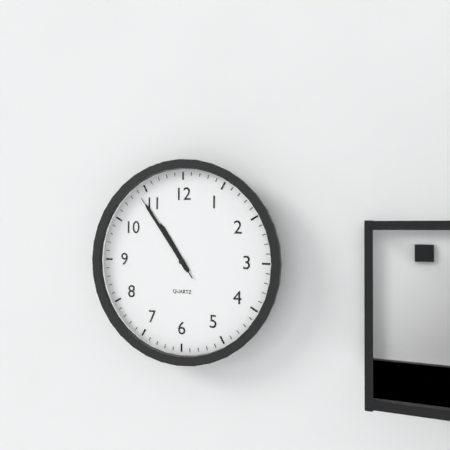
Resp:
10:54:54
